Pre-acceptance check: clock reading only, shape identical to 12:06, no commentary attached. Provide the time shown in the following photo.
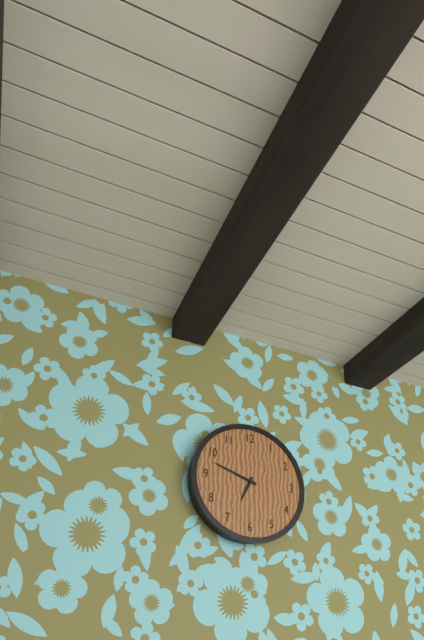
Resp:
6:48
